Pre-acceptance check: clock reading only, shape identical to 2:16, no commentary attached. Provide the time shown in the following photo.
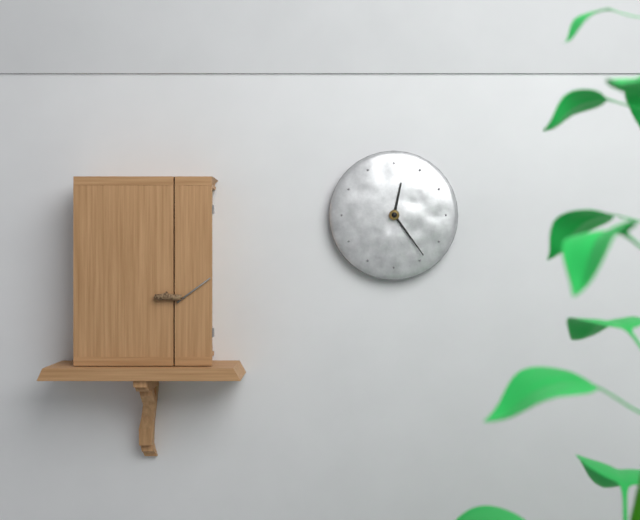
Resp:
12:24
